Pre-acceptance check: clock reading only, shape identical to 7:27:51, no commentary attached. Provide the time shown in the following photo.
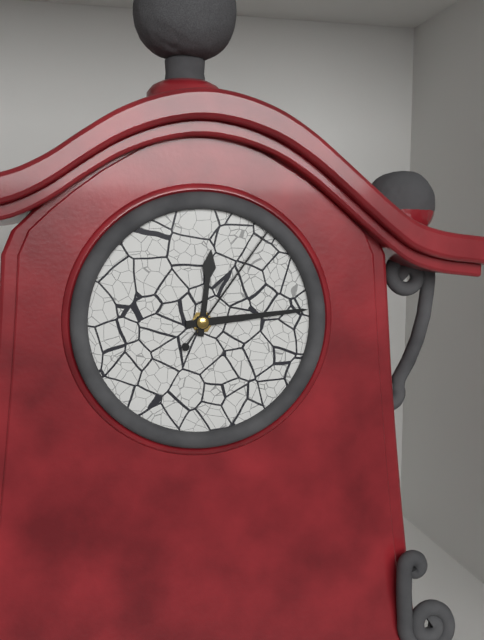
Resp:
12:14:06
